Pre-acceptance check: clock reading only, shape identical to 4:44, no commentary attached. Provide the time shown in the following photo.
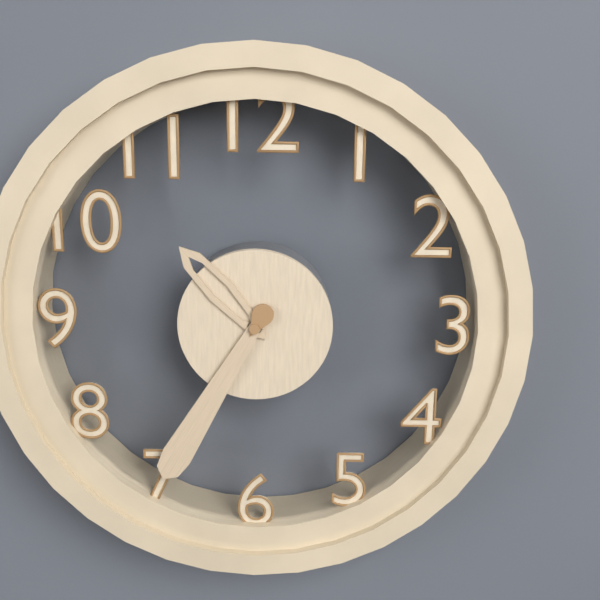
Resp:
10:35
